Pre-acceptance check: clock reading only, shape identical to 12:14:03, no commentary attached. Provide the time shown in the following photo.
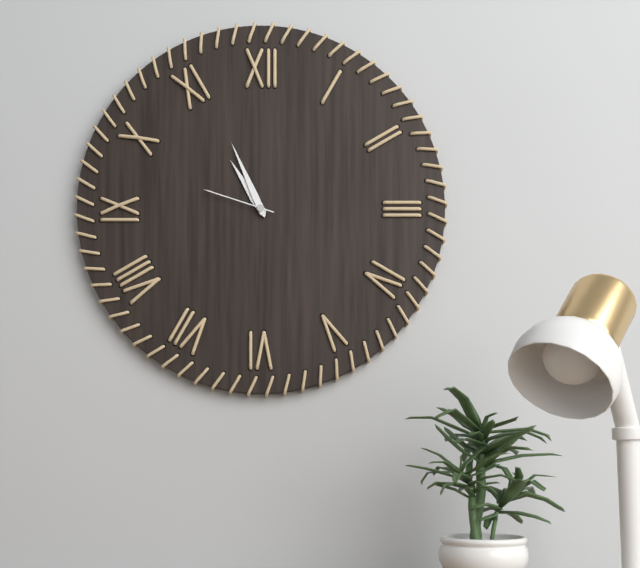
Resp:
10:56:48
